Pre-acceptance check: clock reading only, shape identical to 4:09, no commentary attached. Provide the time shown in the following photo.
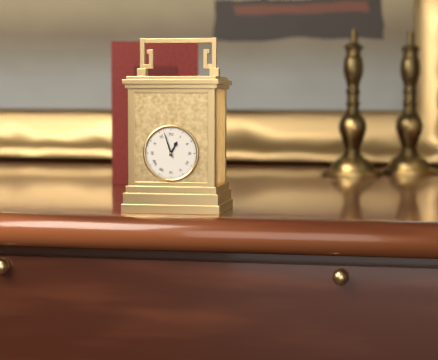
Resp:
12:57
